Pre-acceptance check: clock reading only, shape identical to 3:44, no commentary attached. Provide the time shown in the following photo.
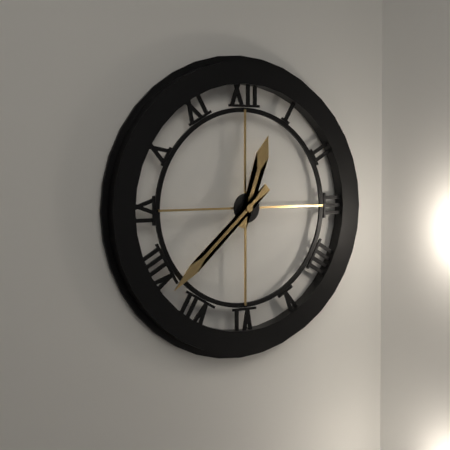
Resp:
12:38
